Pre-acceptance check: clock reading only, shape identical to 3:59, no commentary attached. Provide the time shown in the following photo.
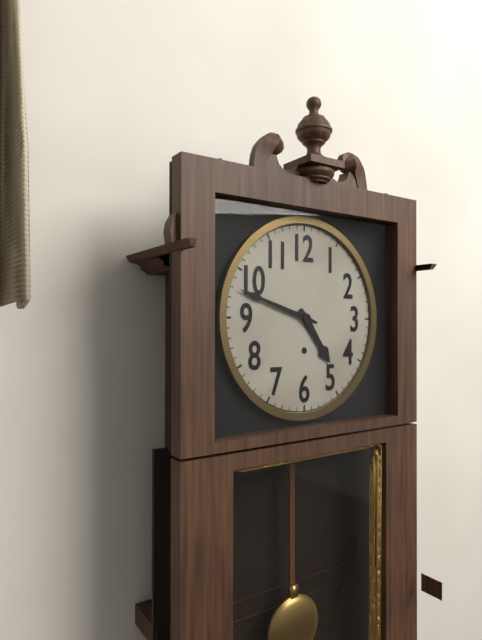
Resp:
4:48
